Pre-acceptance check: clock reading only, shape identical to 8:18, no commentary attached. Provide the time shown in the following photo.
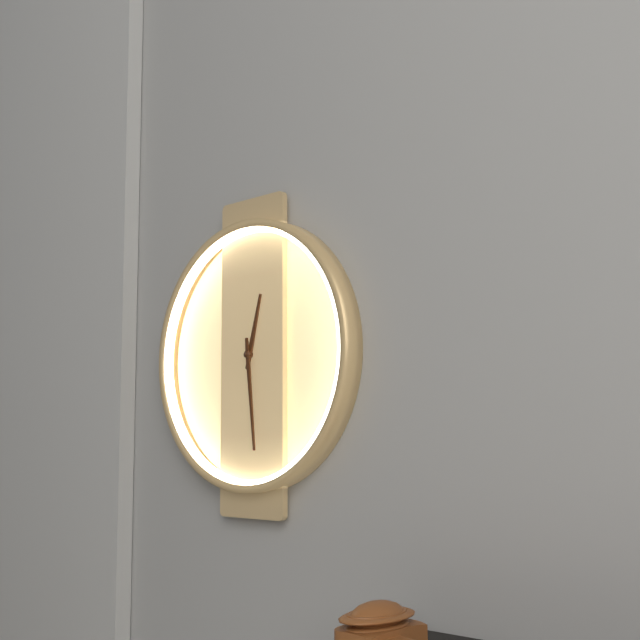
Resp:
12:29
